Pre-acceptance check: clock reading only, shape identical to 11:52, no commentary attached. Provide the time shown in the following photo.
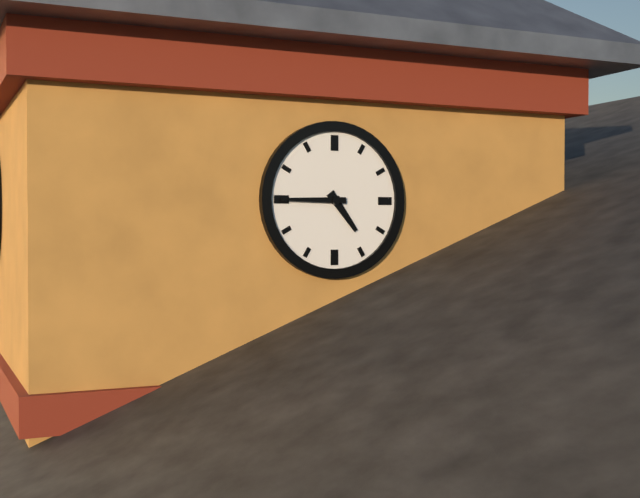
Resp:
4:45
